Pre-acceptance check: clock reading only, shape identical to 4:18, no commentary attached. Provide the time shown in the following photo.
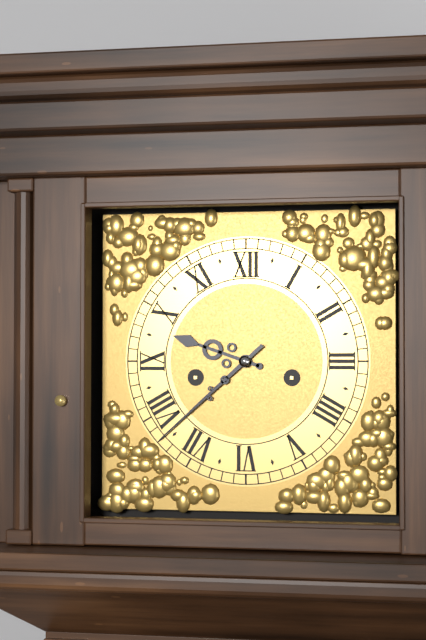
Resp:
9:38
